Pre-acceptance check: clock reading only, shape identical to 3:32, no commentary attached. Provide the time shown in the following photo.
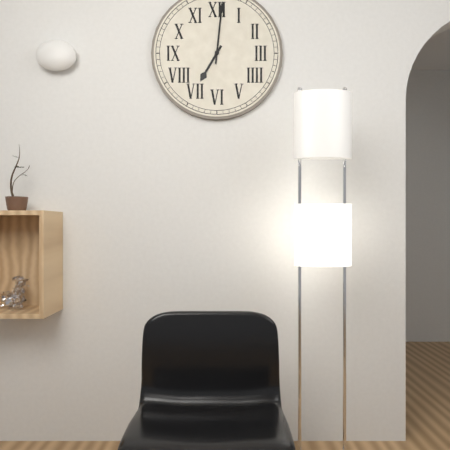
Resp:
7:01
